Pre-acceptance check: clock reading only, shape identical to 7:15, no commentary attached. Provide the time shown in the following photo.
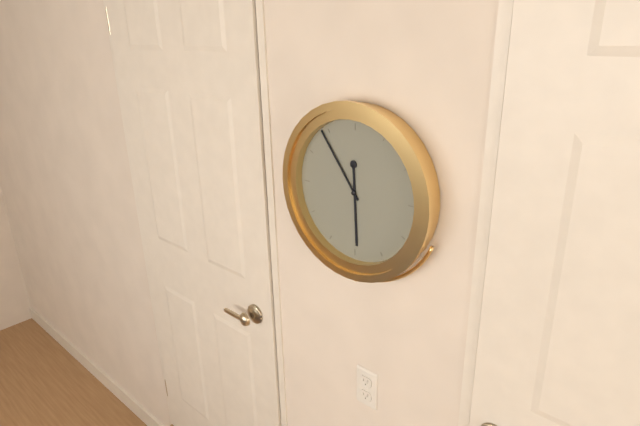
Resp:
5:54
